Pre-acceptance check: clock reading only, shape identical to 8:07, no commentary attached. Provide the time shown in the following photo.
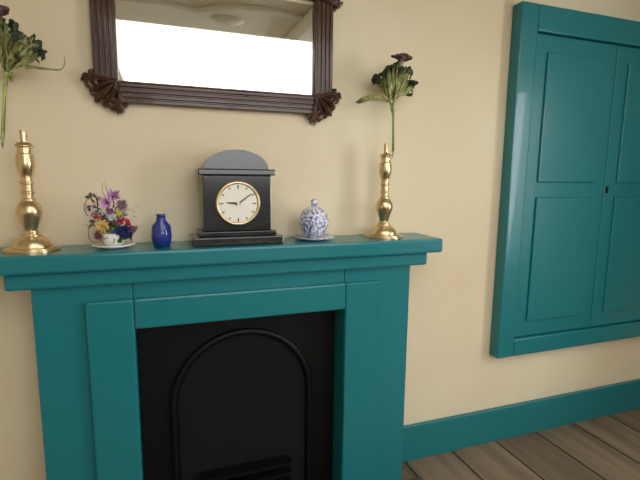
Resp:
9:09
